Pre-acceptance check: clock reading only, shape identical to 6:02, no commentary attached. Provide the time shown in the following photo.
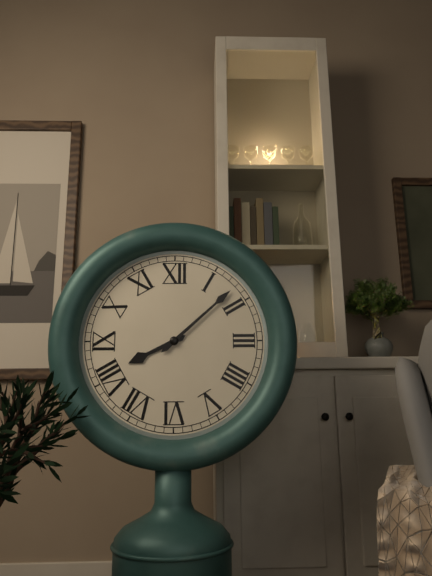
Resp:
8:08
